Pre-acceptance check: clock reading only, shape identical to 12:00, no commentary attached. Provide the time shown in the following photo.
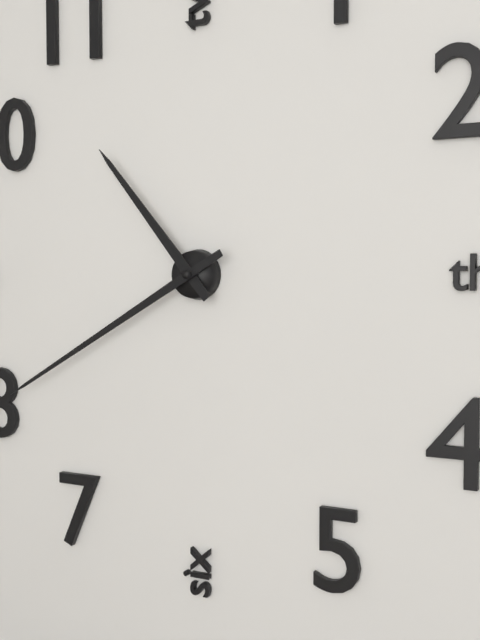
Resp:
10:40
